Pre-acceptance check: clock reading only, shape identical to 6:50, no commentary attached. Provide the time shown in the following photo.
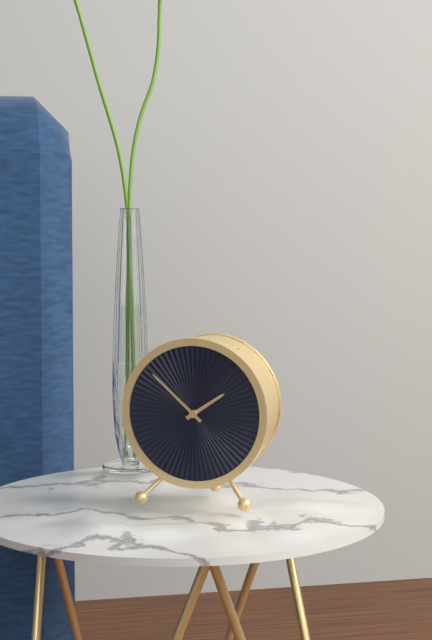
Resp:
1:52
